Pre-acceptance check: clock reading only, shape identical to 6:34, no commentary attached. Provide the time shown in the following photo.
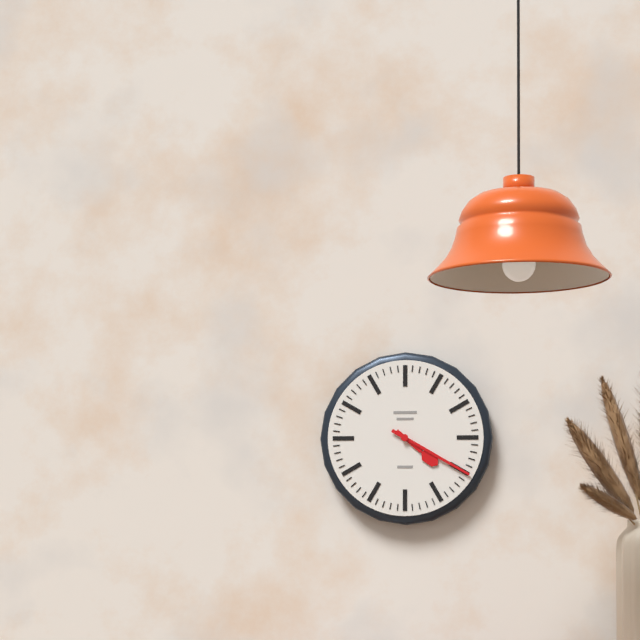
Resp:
4:20
